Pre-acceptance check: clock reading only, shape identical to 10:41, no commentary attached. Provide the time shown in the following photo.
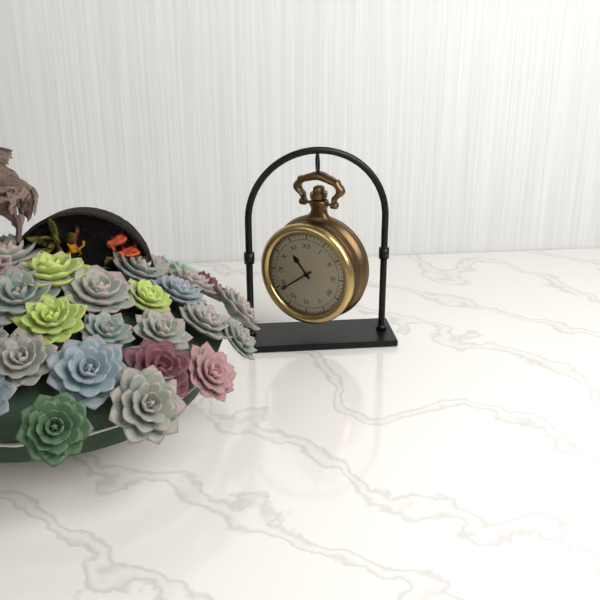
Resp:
10:39
